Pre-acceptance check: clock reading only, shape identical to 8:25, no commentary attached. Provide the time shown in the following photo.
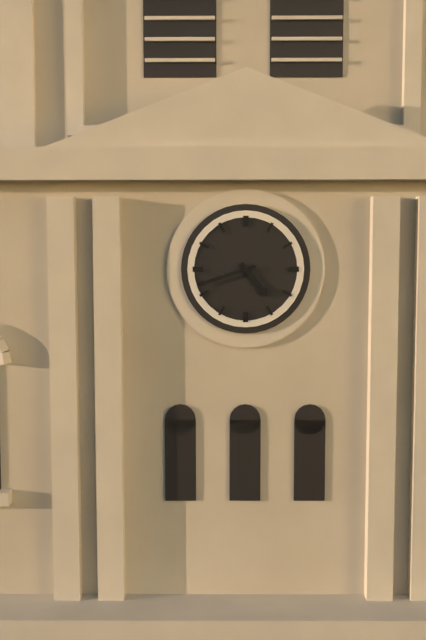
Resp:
4:42
